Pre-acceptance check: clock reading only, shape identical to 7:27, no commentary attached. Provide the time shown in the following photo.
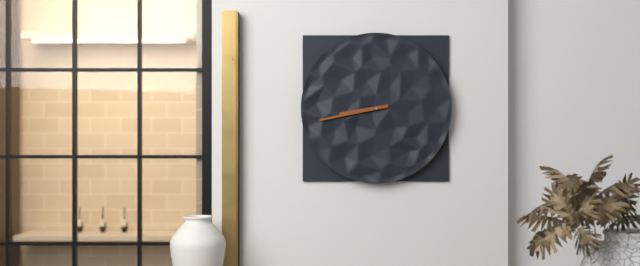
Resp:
8:43
